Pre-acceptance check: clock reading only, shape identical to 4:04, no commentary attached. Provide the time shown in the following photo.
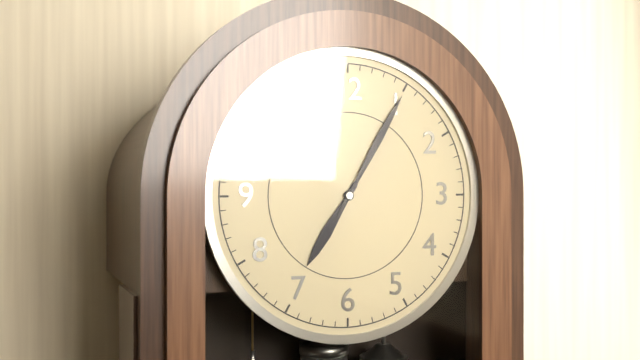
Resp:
7:05
